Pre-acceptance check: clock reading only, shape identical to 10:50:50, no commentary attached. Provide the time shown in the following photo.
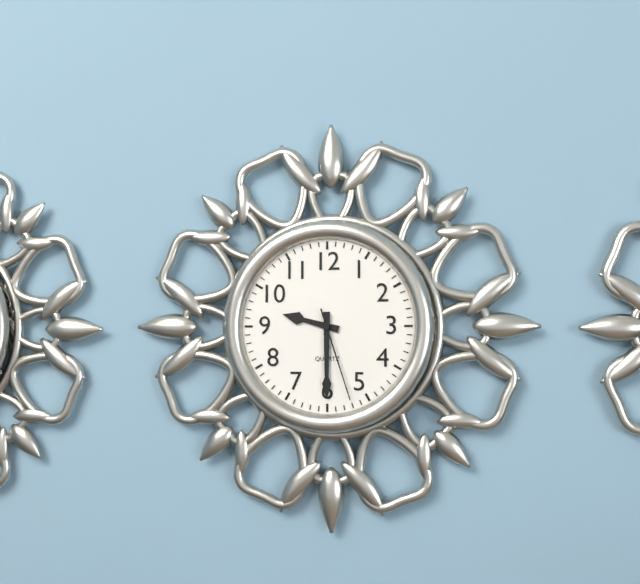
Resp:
9:30:27
